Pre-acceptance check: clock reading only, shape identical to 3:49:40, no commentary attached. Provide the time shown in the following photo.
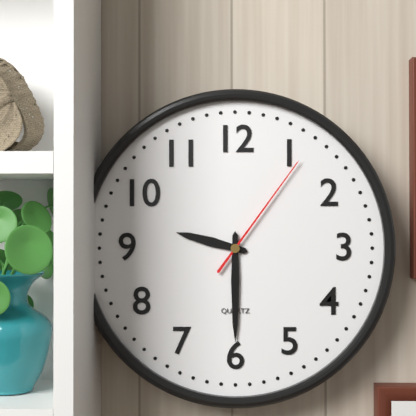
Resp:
9:30:06
